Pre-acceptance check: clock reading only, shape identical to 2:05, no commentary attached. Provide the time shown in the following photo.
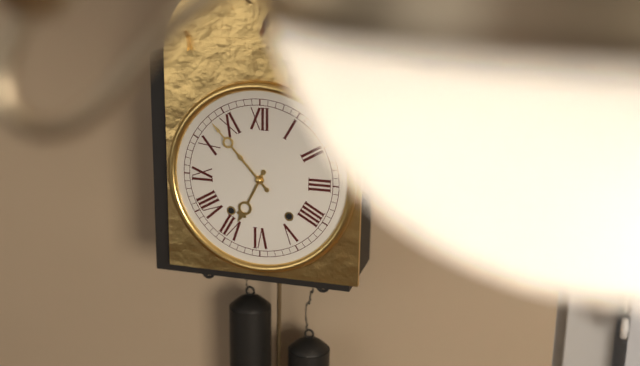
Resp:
6:53
